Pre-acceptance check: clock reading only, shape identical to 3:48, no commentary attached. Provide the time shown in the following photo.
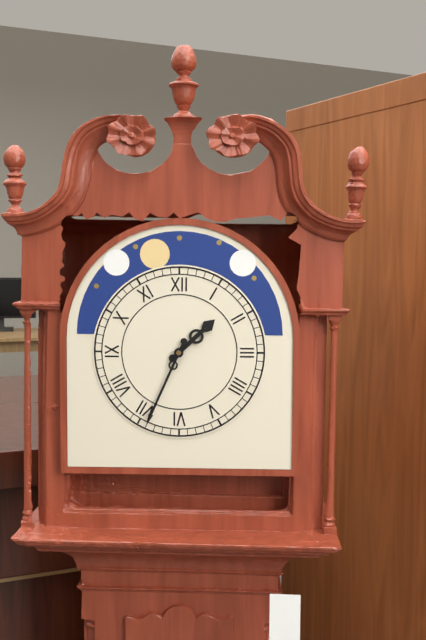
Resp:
1:34
